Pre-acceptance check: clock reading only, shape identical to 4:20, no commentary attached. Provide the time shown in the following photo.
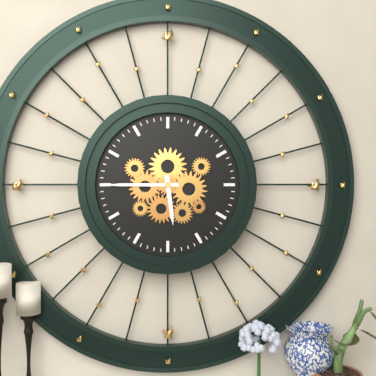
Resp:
5:45
